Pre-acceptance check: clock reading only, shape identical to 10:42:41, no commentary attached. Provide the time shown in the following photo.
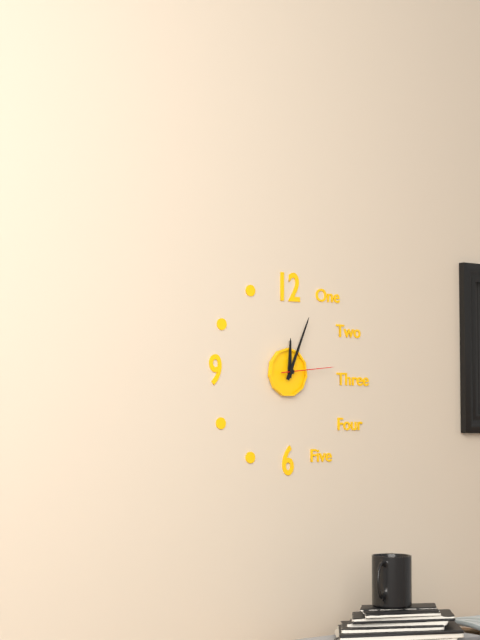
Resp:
12:04:14
